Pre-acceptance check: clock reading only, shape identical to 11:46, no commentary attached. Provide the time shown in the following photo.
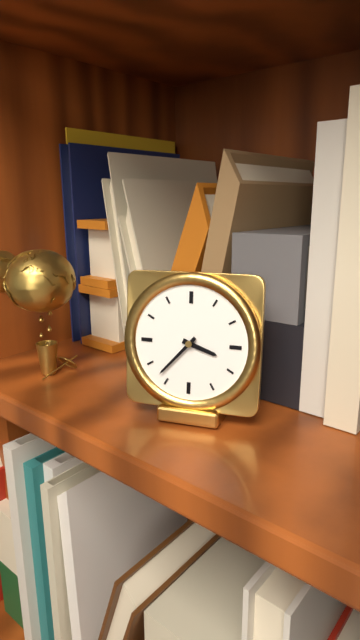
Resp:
3:37
